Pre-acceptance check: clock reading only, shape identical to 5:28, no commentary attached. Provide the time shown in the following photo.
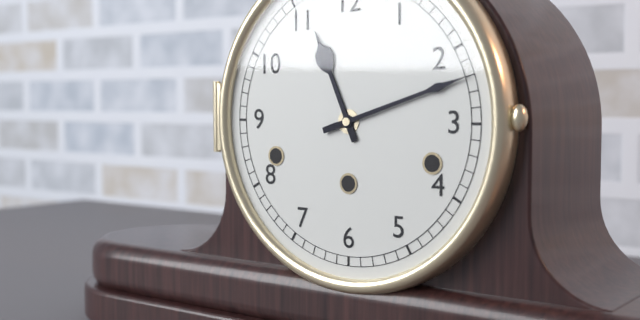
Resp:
11:12
